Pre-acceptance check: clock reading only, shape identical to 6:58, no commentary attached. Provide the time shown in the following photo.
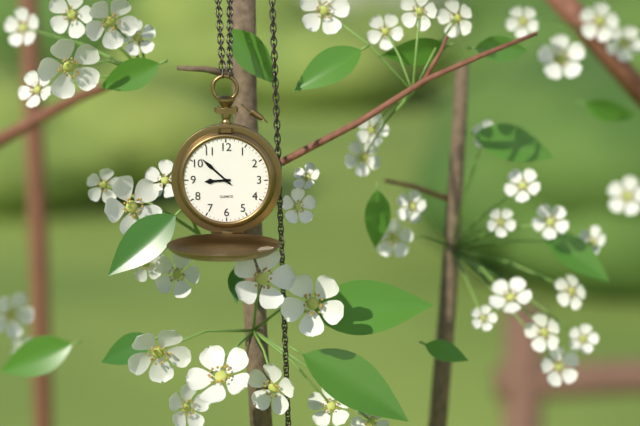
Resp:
8:52
